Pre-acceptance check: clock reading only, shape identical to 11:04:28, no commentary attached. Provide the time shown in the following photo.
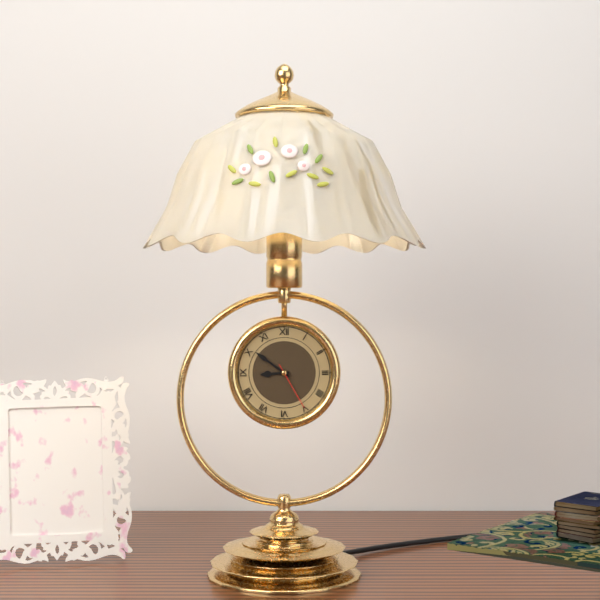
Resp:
8:51:25
